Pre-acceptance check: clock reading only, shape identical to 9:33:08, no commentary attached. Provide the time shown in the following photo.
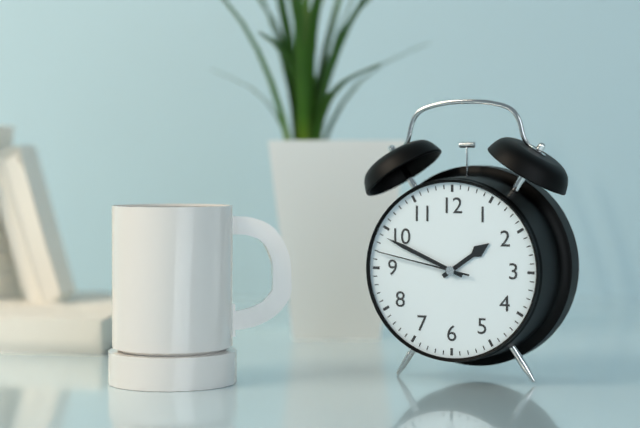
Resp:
1:49:47
